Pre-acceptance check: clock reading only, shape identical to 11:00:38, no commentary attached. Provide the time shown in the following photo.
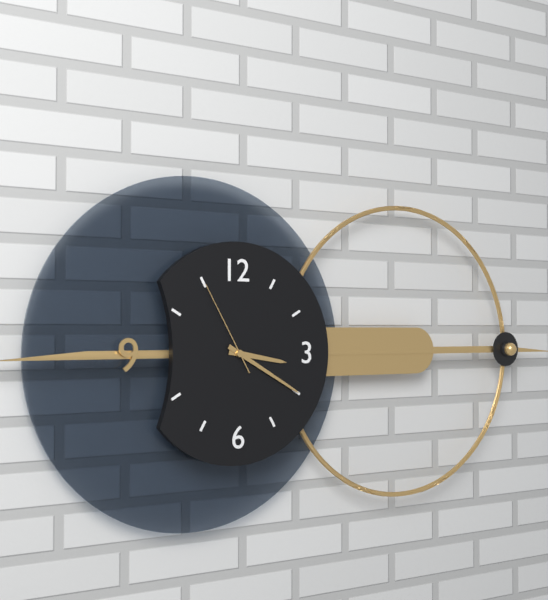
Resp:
3:20:55
